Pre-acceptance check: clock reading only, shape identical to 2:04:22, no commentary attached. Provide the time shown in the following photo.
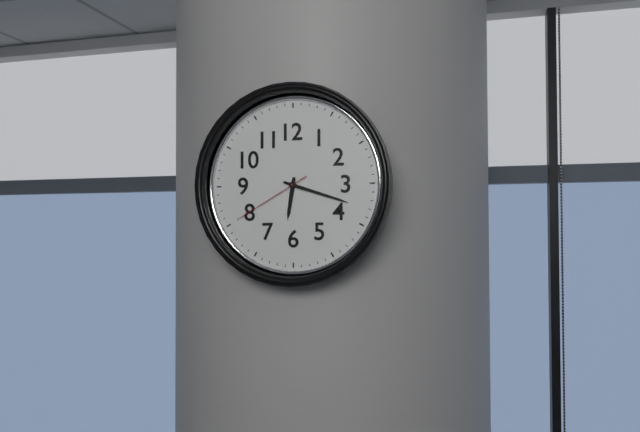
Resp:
6:18:40
